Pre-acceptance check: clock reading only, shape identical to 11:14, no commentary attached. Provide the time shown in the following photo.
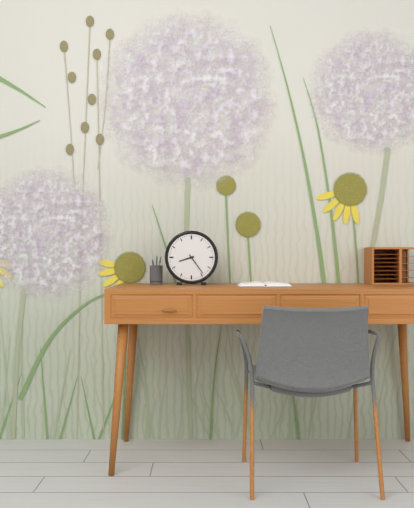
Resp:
8:24
